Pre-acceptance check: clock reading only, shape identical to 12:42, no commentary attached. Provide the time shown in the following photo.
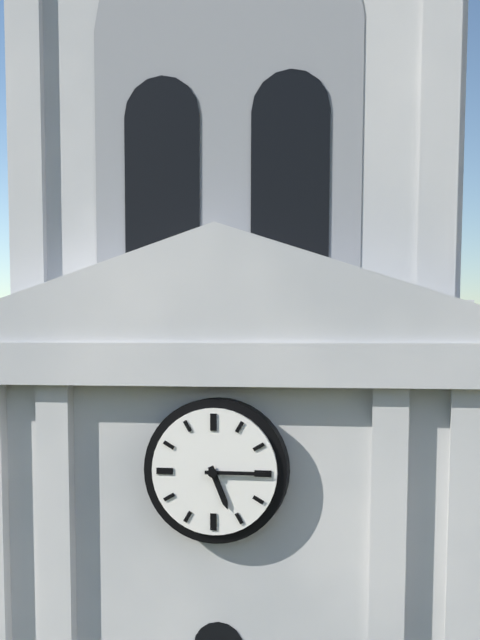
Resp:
5:15
